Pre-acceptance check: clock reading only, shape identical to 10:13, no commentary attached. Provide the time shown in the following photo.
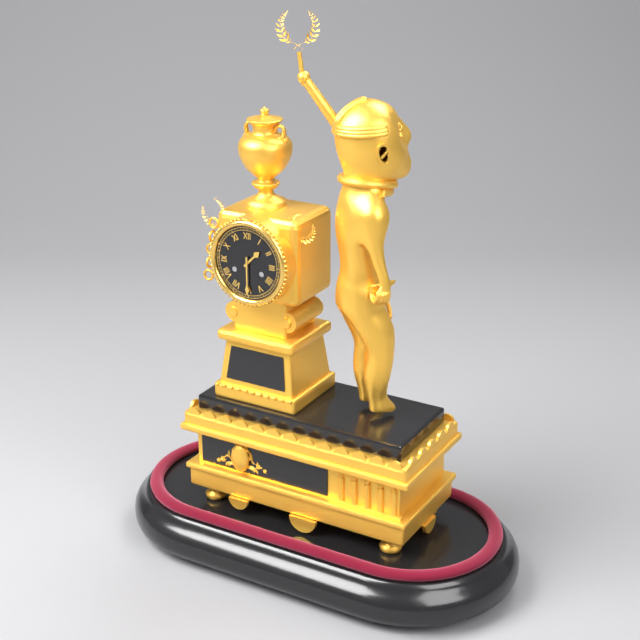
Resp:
1:30
